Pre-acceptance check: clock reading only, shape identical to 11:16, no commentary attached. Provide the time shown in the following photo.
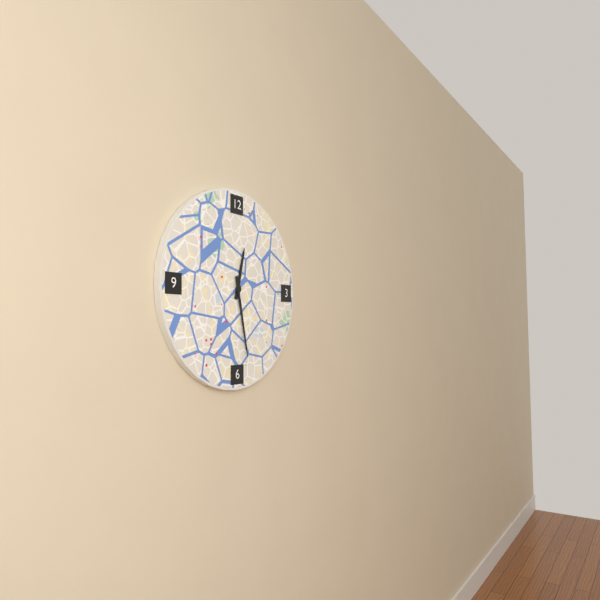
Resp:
12:28
